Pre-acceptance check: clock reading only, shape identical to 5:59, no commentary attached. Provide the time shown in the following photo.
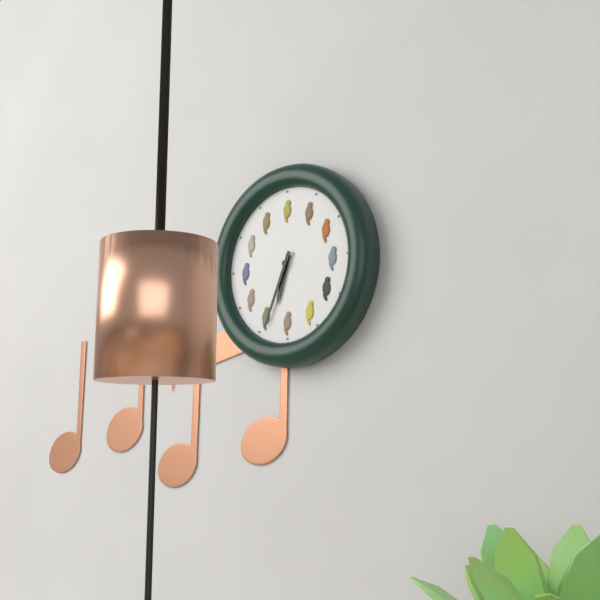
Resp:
6:34
